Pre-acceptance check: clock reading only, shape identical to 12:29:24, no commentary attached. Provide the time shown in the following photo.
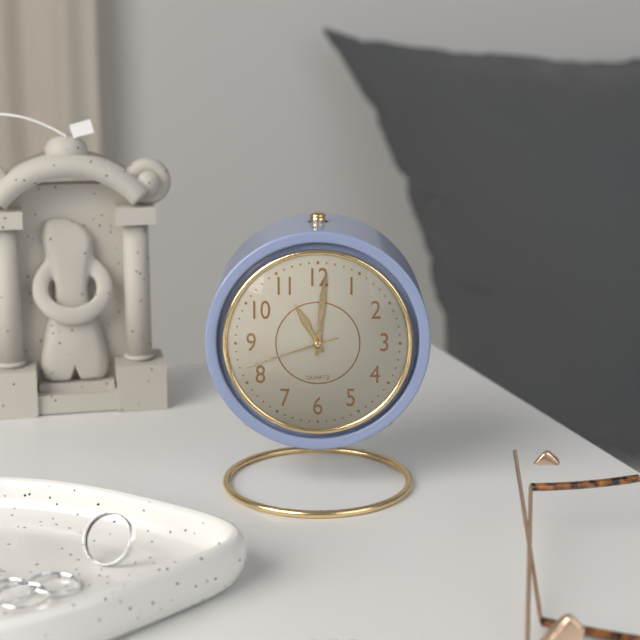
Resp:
11:01:42
